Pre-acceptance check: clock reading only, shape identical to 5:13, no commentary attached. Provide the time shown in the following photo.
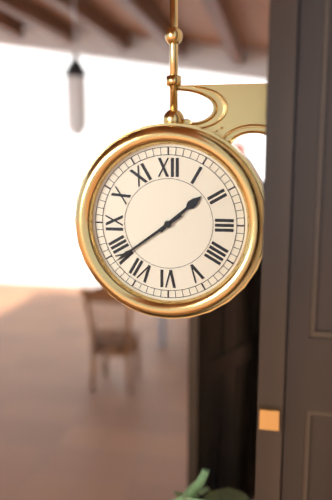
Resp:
1:39
